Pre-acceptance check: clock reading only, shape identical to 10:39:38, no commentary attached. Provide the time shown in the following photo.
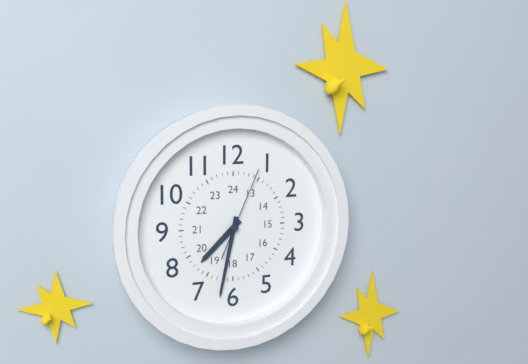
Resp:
7:32:04
